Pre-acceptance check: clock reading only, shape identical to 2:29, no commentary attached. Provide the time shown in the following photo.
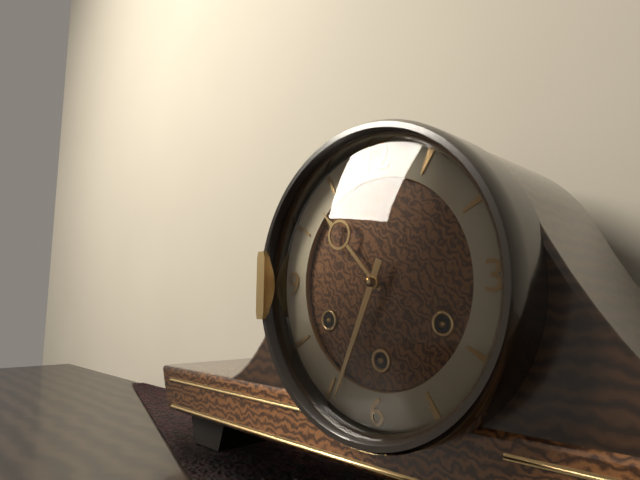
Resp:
10:34
